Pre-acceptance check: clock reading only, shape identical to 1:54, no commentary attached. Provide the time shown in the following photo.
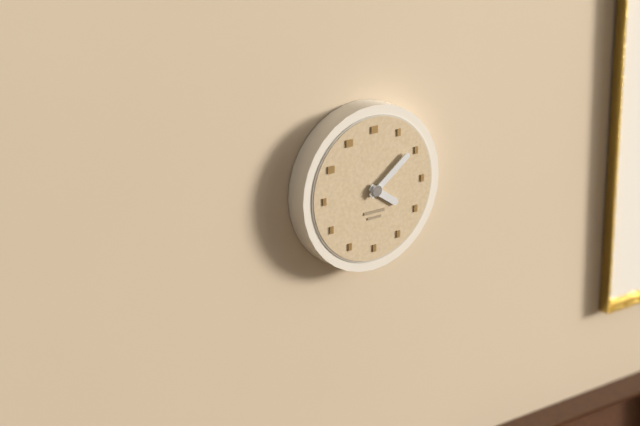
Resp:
4:09
